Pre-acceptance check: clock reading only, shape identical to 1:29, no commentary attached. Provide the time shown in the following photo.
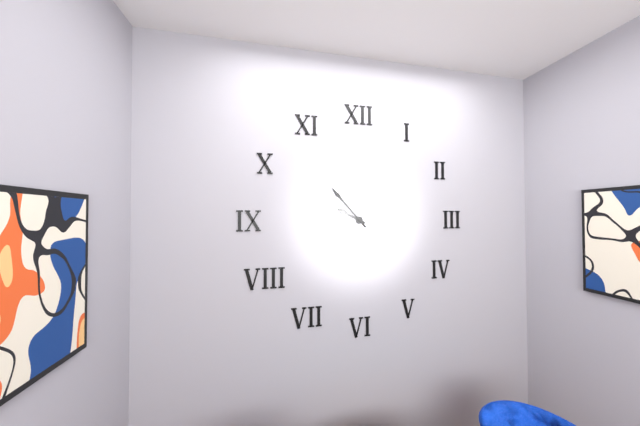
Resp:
9:53
